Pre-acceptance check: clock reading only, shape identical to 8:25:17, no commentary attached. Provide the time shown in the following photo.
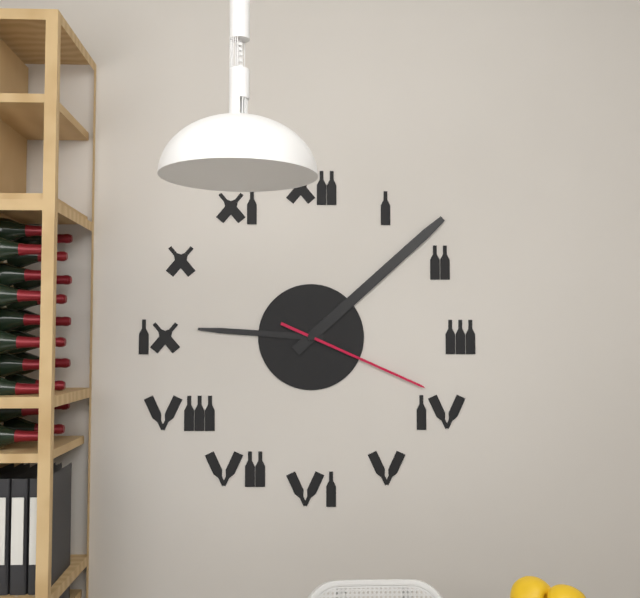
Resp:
9:08:19
